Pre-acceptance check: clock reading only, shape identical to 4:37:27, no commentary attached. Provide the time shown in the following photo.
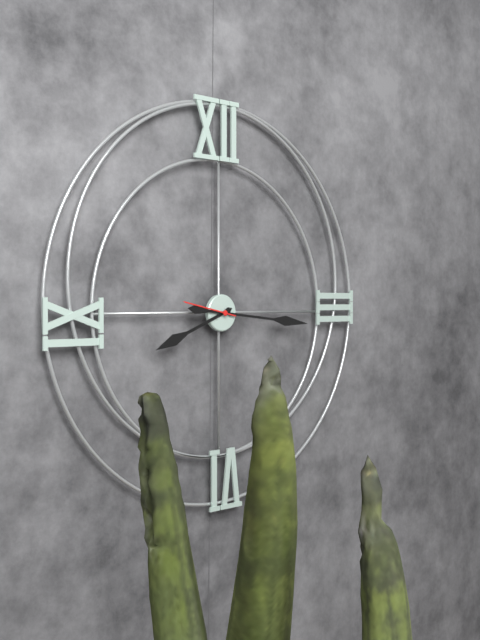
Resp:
8:16:47
